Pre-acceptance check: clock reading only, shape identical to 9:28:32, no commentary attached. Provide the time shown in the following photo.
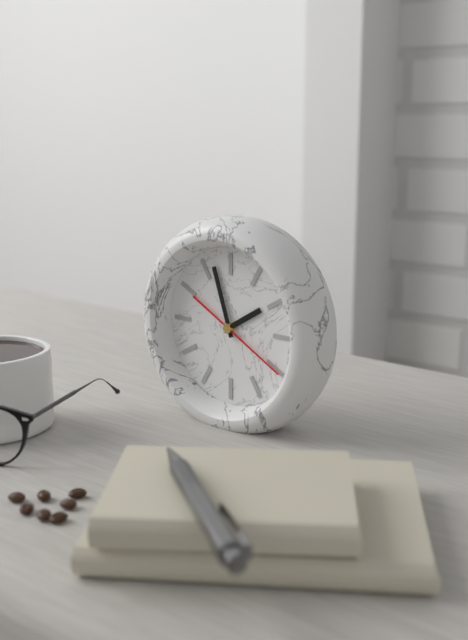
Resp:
1:57:20
